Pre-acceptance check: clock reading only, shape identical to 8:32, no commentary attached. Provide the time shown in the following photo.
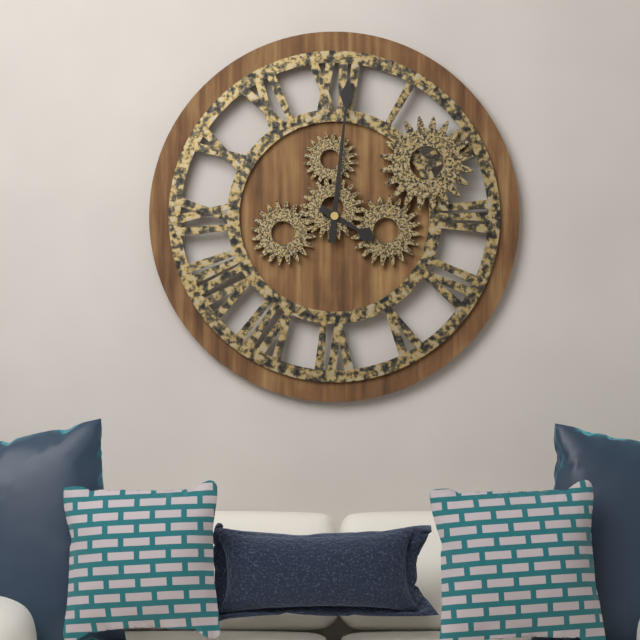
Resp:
4:01
